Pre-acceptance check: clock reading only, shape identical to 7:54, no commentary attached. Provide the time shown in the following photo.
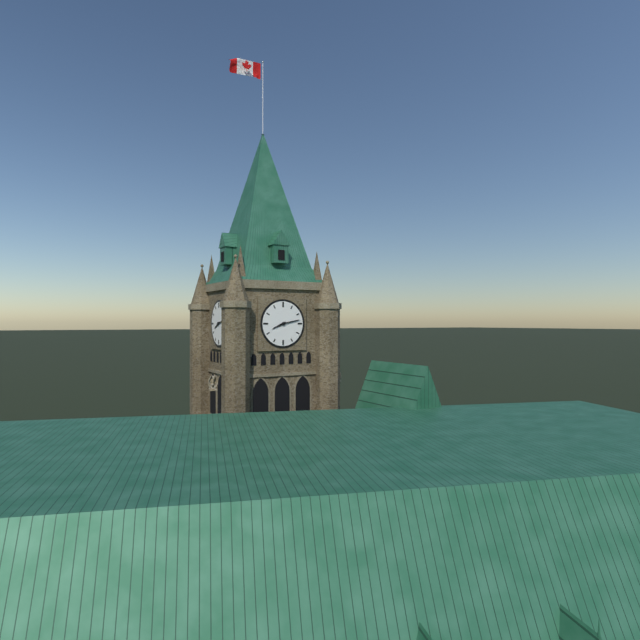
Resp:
8:13
